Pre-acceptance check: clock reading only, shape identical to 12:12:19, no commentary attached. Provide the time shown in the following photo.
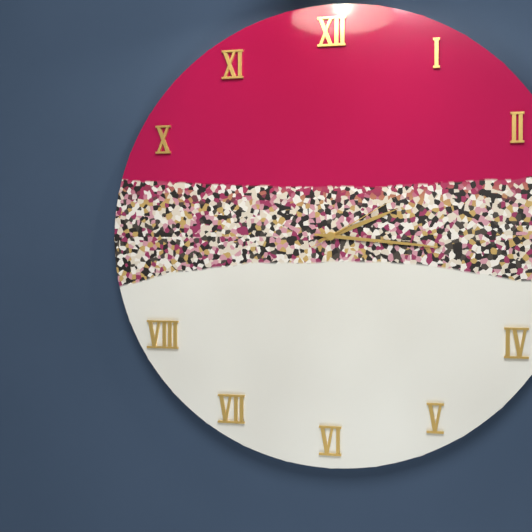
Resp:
2:16:10
